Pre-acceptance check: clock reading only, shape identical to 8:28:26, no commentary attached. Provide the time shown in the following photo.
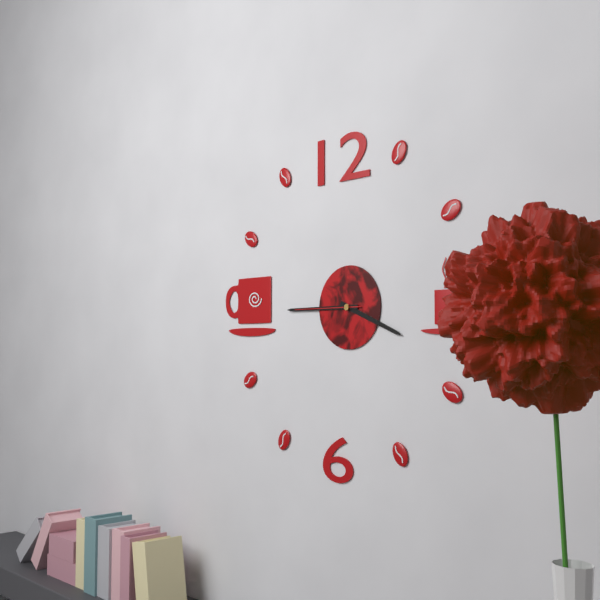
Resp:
3:45:45
